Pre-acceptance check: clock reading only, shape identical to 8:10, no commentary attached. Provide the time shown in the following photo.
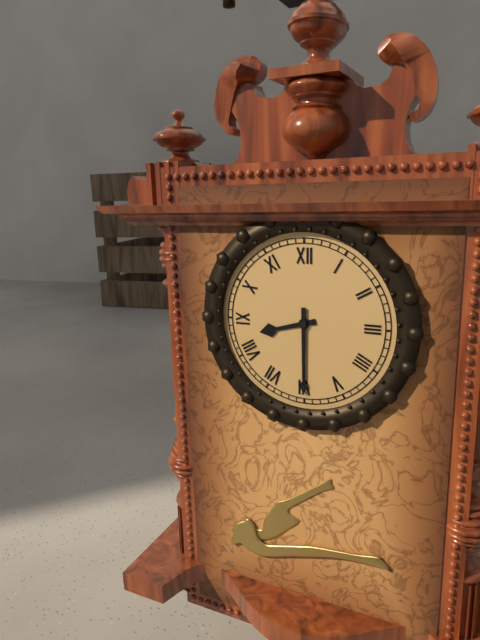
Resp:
8:30
